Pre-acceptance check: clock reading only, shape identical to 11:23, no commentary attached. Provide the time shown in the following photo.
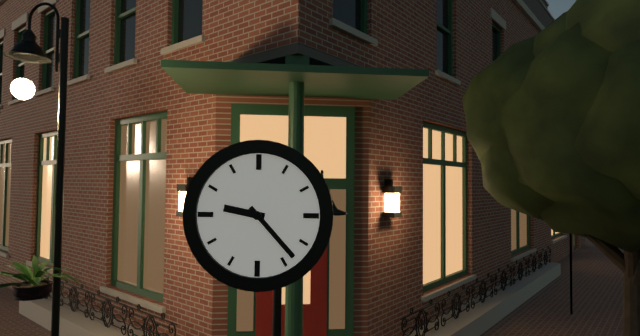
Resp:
9:23
